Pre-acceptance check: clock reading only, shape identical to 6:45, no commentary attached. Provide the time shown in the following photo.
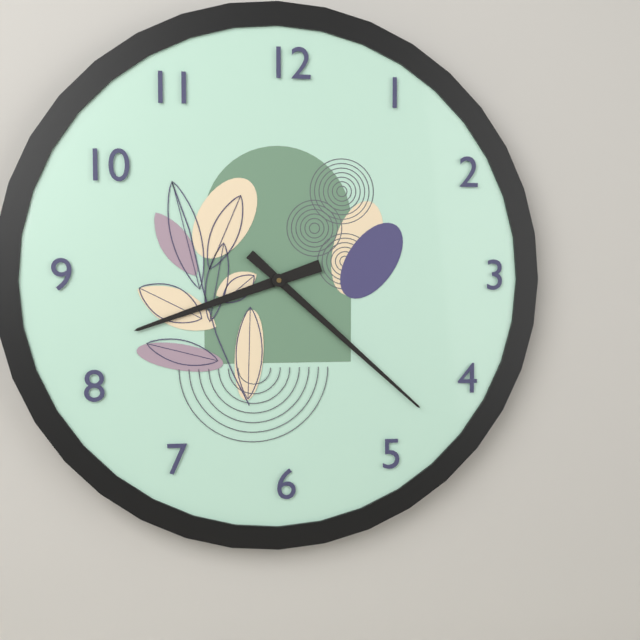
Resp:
8:22
